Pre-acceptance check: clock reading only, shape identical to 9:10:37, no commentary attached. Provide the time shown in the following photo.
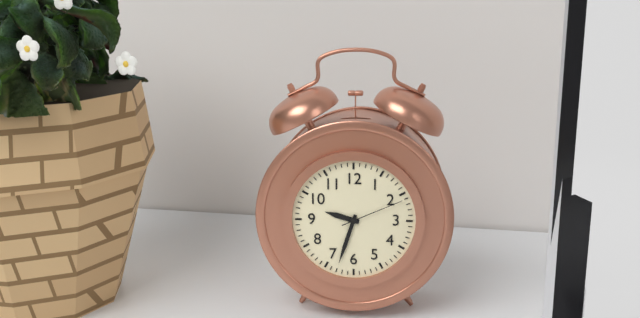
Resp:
9:33:11
